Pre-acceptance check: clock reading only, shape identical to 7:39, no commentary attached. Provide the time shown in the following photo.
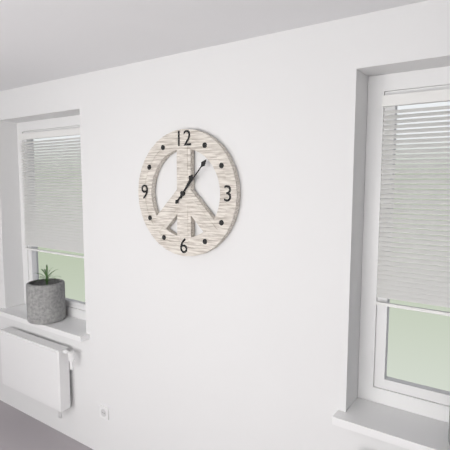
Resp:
1:07
